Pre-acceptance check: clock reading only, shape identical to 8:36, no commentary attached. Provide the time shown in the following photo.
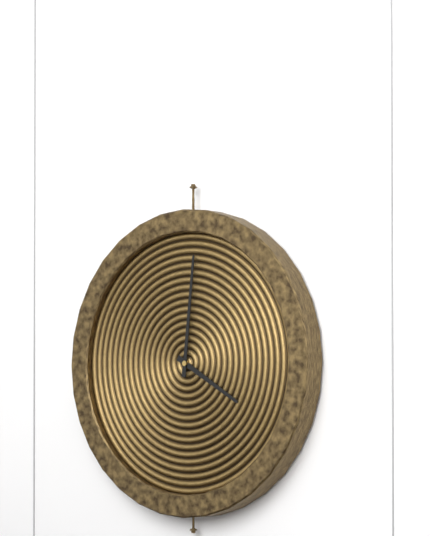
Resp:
4:01
